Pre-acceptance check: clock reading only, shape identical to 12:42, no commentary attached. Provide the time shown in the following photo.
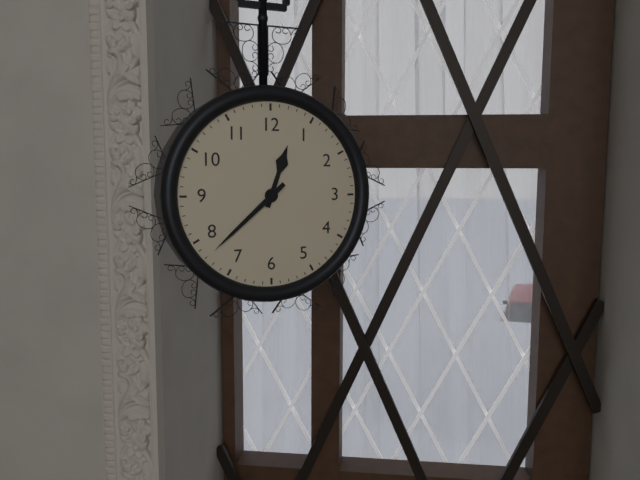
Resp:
12:38
